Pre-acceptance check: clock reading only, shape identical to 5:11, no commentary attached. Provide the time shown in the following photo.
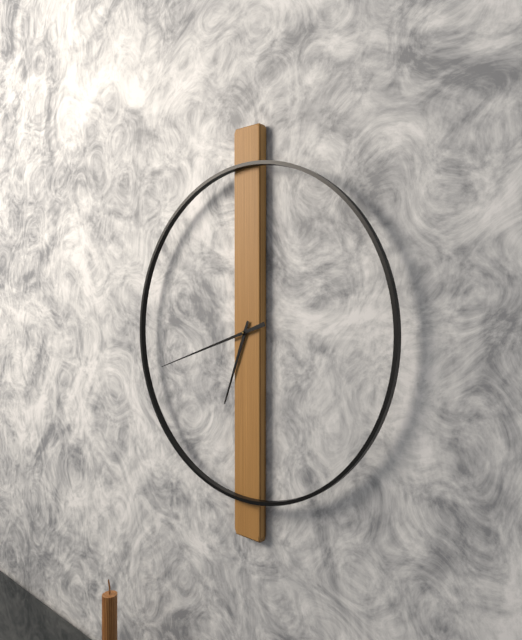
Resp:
6:42
